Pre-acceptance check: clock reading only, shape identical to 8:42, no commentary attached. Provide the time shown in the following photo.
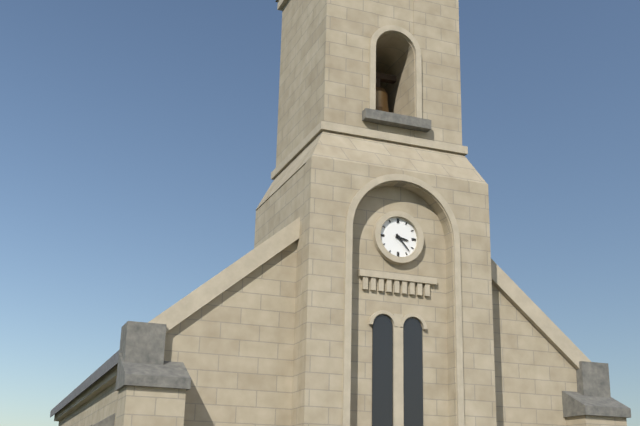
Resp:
3:23
